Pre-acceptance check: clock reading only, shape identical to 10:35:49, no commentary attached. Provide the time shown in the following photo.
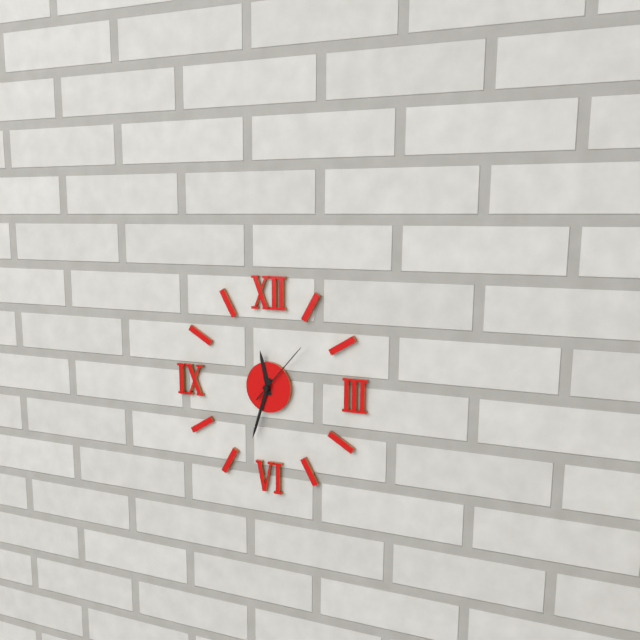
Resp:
11:33:07
